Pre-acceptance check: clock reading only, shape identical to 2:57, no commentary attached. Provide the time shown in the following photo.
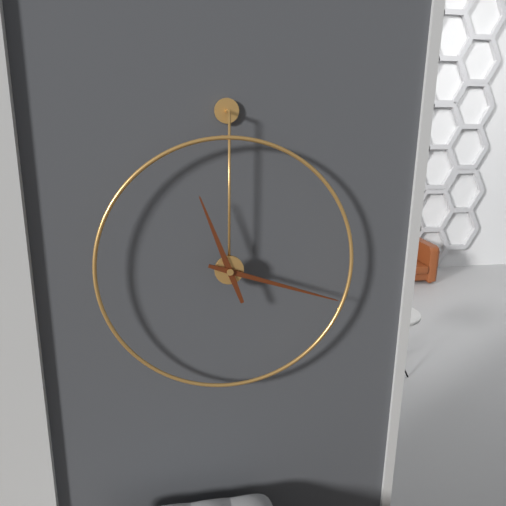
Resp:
11:18
